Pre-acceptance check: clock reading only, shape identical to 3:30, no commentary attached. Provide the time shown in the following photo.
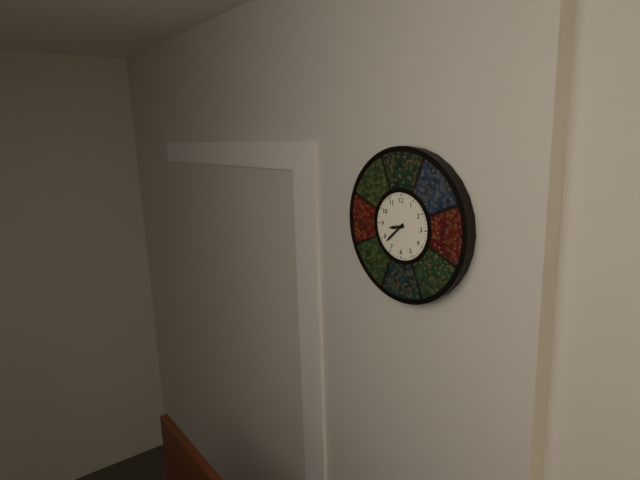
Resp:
8:38
